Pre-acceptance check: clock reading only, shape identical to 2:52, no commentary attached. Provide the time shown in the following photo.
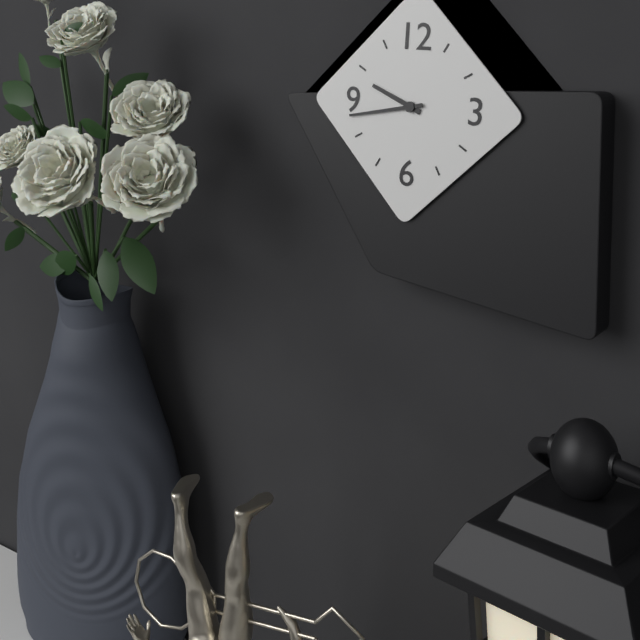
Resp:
9:43
